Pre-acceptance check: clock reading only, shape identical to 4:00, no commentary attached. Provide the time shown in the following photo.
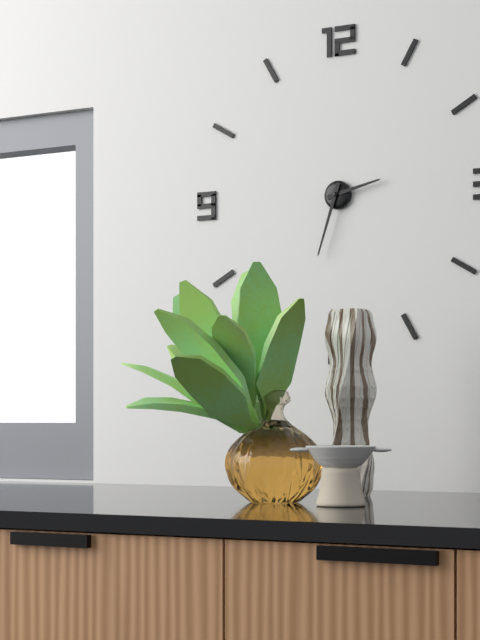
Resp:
2:33
